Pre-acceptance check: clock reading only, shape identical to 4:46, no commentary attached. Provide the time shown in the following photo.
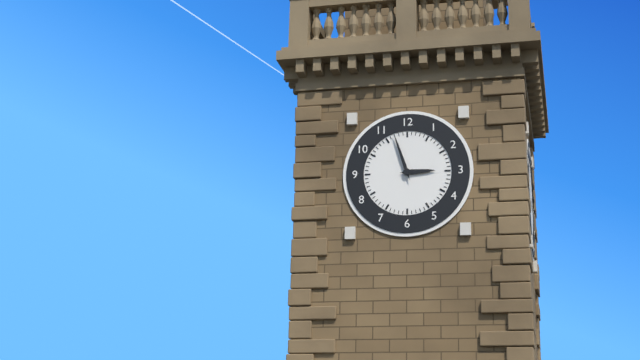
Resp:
2:57
